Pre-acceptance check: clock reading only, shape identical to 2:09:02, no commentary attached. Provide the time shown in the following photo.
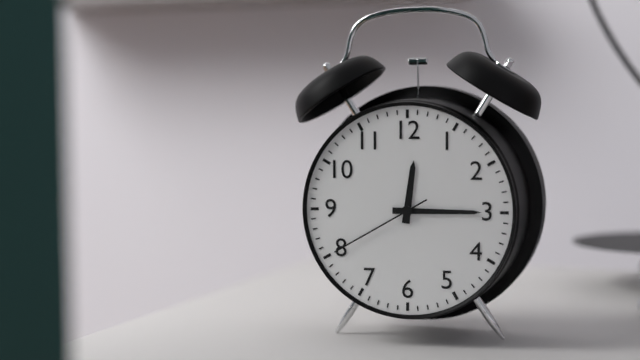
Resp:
12:15:40
